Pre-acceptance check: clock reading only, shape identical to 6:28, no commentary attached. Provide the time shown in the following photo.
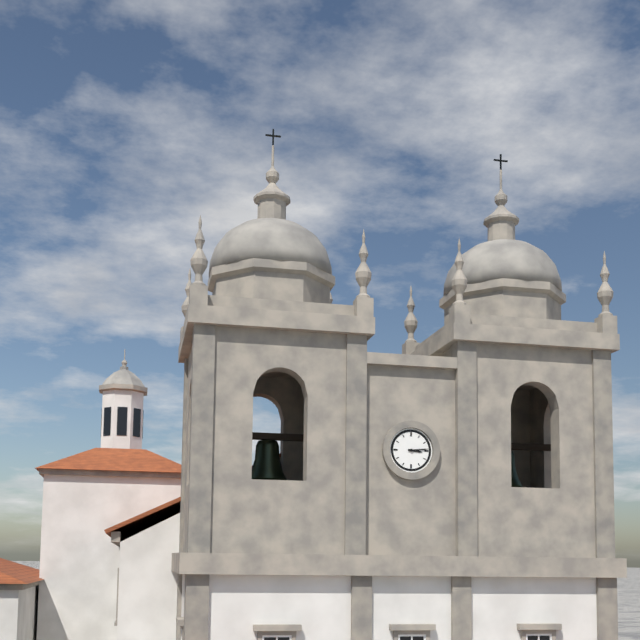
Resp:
3:14
